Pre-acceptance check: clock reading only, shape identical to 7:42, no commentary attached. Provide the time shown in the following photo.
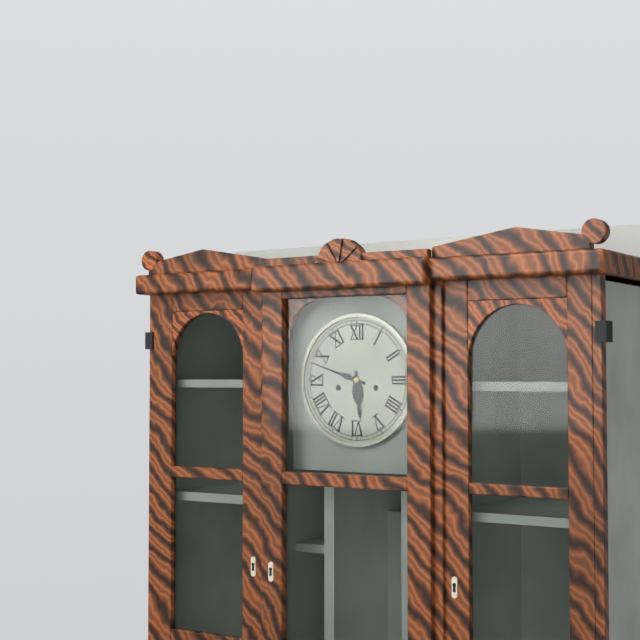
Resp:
5:48
